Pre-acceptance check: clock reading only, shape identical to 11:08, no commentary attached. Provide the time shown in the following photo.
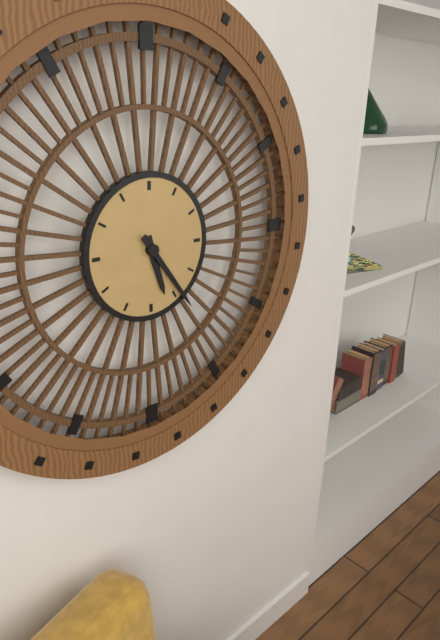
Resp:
5:24
